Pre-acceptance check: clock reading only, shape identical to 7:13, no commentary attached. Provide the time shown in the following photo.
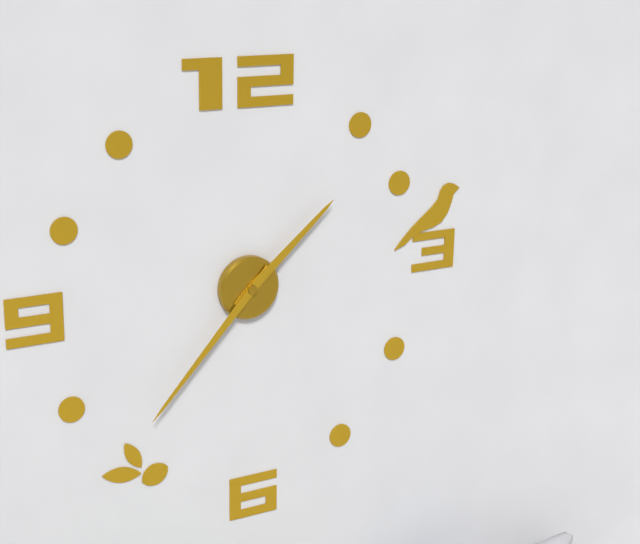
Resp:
1:37
